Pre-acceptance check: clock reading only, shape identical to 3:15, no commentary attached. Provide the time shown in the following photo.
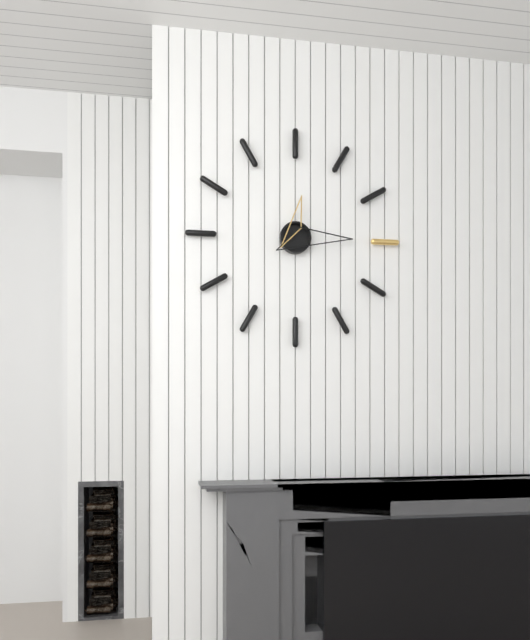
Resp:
12:15
